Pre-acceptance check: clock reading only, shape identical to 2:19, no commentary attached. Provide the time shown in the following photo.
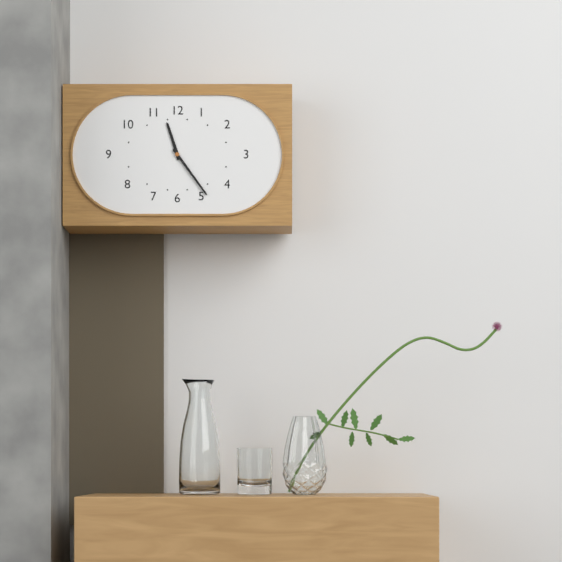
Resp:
11:24
